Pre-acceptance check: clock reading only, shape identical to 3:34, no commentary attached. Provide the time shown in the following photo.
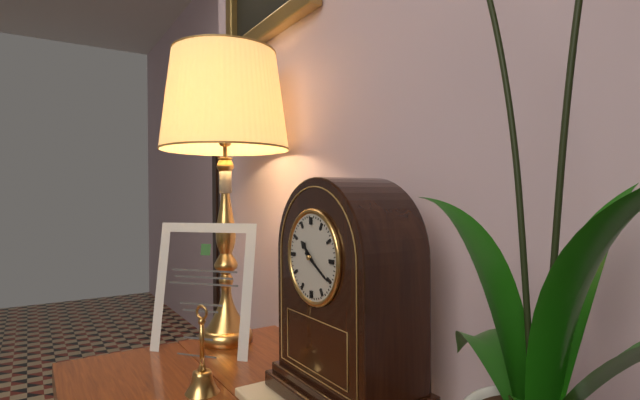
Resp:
10:20
